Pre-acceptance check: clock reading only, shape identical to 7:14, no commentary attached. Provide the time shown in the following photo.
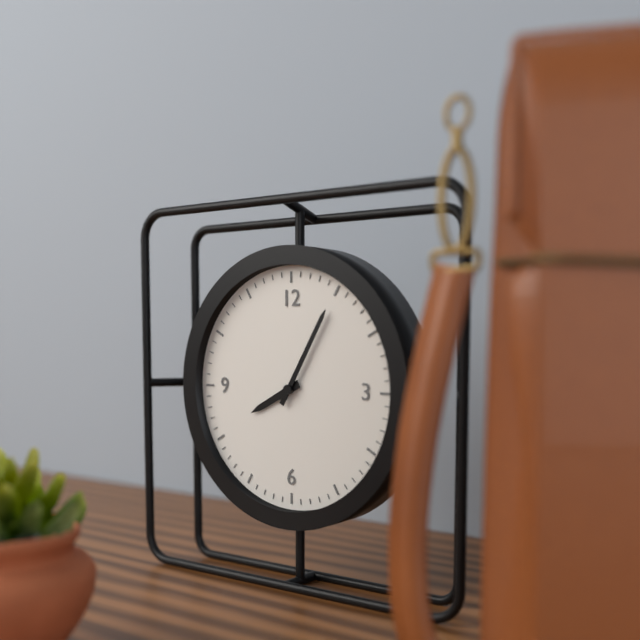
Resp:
8:05
